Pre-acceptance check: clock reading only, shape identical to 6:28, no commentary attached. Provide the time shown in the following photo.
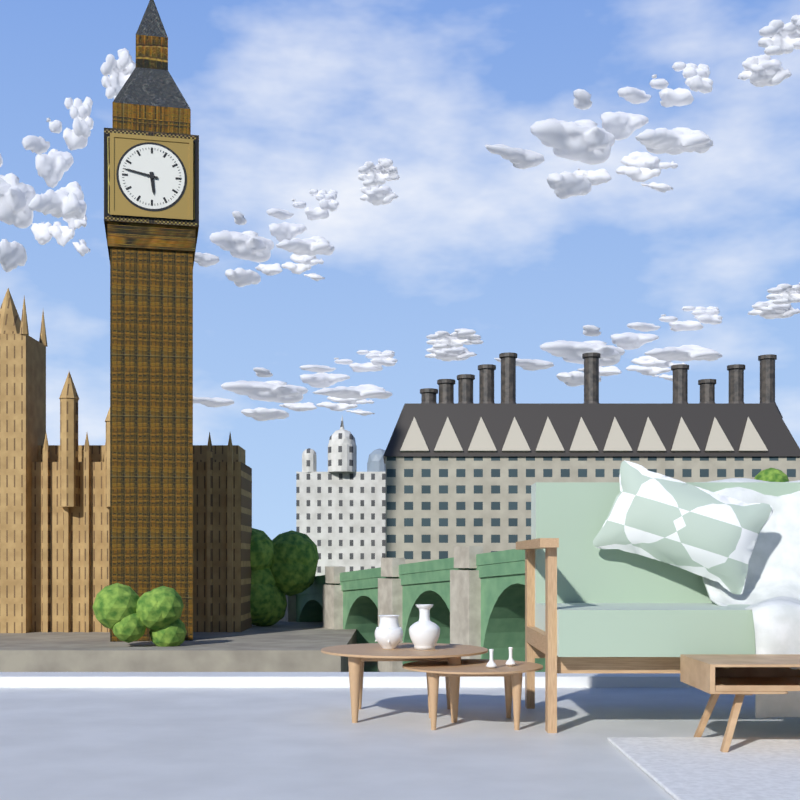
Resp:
5:47
